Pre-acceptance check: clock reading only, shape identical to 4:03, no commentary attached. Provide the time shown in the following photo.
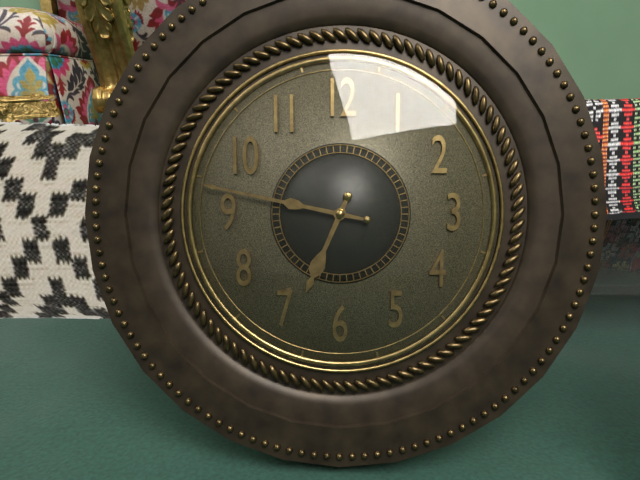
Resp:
6:47
